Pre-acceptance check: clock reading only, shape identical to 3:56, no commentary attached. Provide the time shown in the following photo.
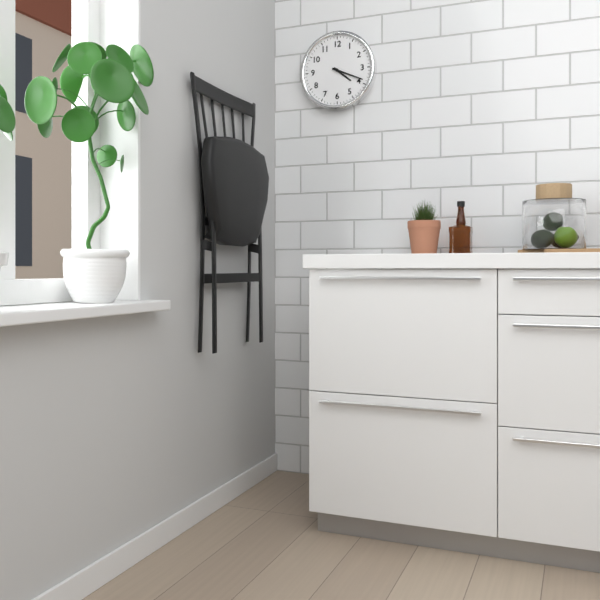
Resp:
4:19
